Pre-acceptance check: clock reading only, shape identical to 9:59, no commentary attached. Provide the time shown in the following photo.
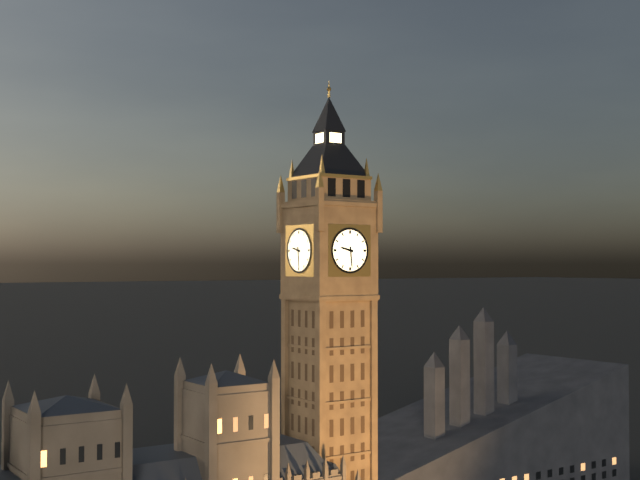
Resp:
9:29
